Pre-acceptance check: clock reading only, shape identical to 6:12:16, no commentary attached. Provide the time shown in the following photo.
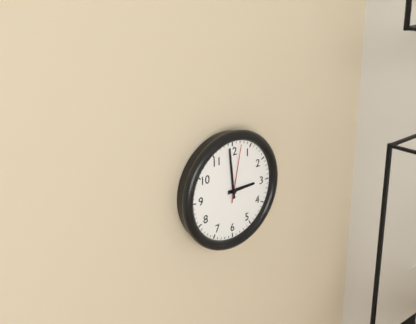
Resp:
2:59:02
